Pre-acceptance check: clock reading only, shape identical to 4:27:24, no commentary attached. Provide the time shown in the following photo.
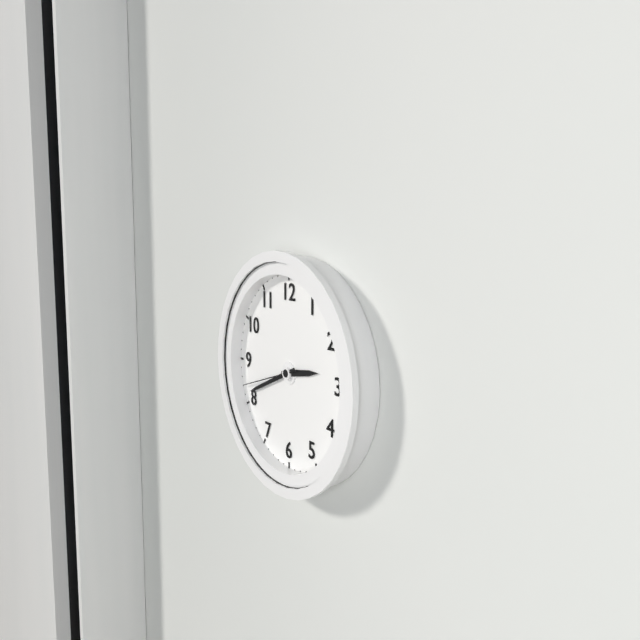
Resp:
2:41:42
